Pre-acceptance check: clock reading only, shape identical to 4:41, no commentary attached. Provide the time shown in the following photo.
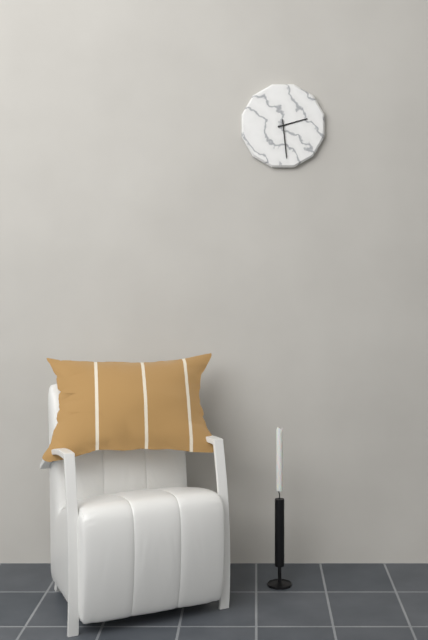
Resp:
2:29
